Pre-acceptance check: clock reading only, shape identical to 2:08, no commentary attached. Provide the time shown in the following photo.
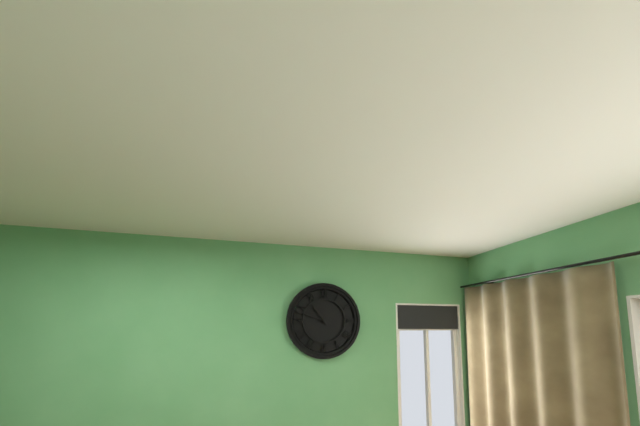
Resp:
10:48
